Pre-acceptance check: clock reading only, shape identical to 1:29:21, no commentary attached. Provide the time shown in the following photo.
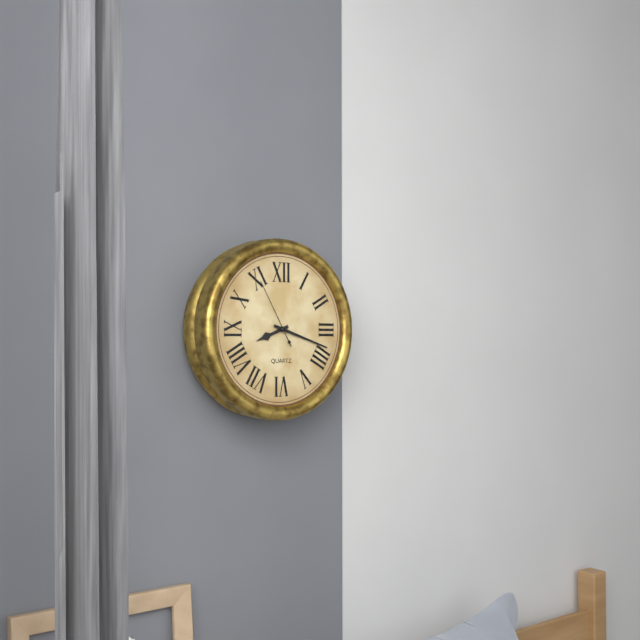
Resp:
8:18:55
